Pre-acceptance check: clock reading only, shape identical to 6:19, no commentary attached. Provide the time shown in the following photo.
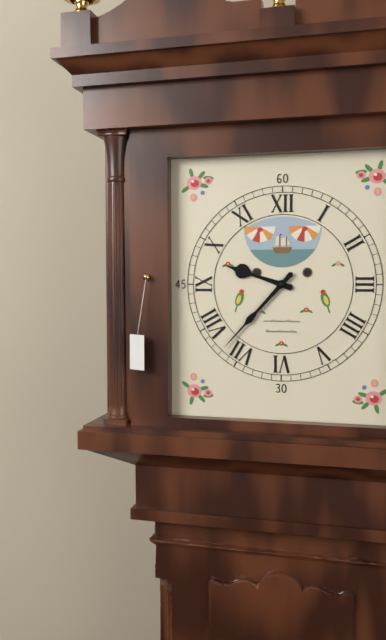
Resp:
9:37
